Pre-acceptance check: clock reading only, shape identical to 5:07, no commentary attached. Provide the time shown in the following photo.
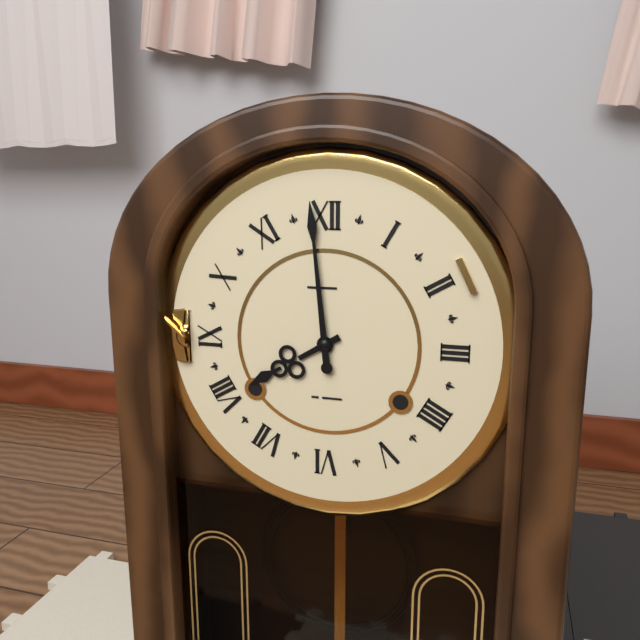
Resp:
7:59
